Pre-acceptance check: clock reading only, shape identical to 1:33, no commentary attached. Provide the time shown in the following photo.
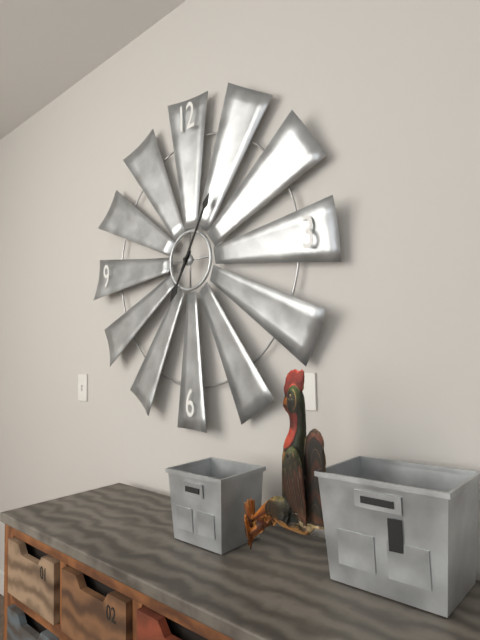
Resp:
7:05
